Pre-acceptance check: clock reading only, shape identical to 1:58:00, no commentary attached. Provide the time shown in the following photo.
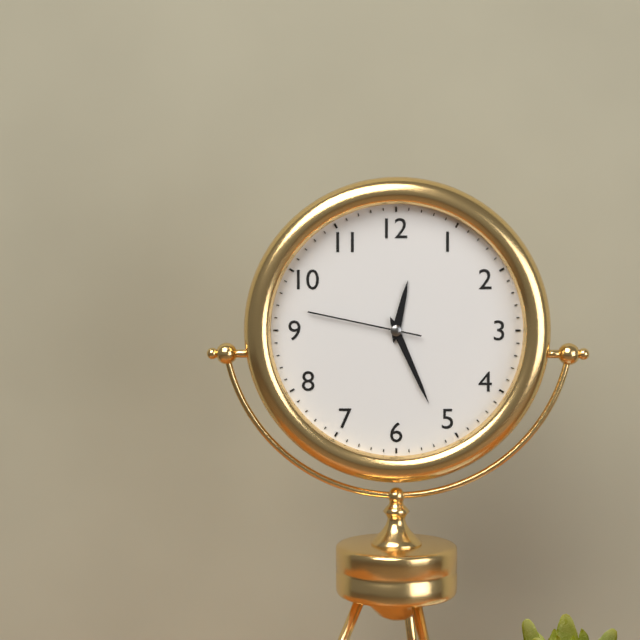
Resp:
12:26:47
